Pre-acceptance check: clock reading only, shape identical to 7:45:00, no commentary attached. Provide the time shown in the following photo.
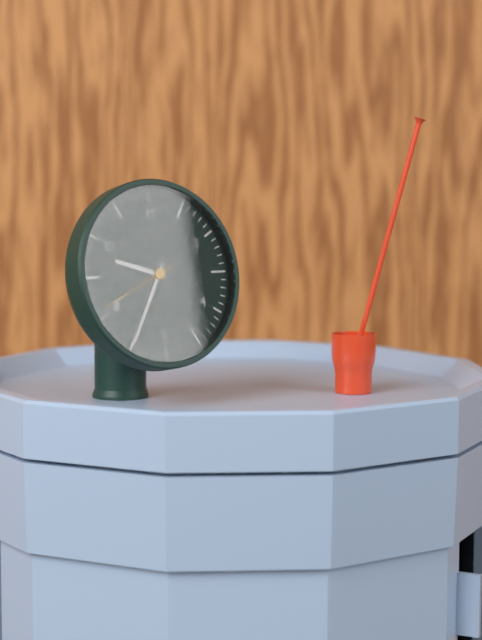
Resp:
9:35:41
